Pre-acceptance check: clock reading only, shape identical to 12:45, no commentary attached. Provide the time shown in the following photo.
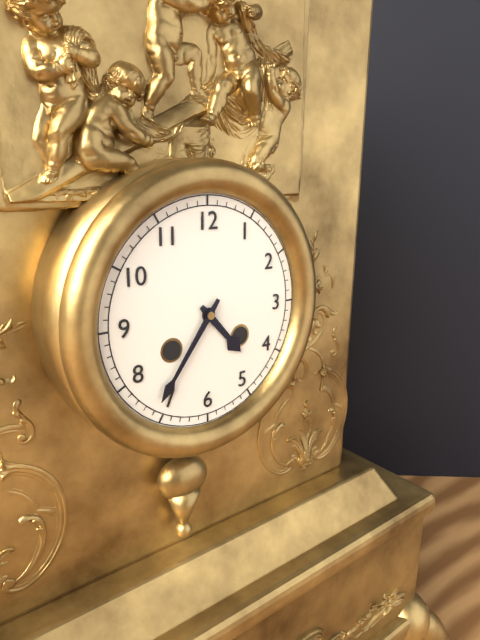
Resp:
4:36
